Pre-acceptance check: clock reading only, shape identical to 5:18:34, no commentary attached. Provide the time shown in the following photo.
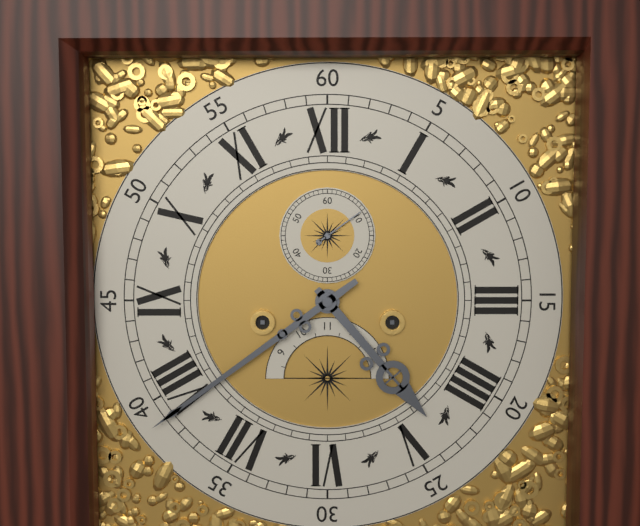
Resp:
4:39:09
